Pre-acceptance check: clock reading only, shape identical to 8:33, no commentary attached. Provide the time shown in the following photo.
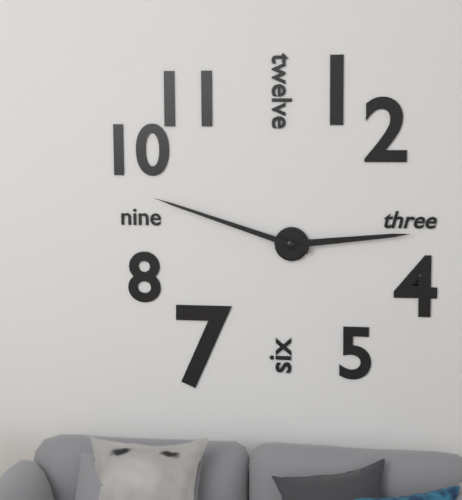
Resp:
2:48
